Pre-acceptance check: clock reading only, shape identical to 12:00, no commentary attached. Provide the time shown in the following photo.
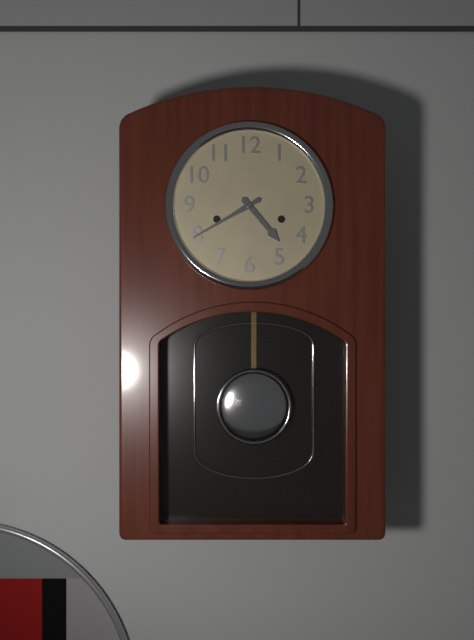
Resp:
4:40
